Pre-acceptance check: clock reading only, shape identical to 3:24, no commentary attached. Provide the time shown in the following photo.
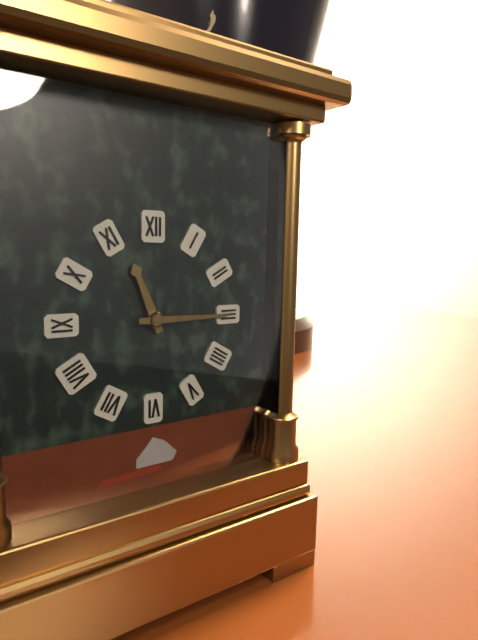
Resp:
11:15
